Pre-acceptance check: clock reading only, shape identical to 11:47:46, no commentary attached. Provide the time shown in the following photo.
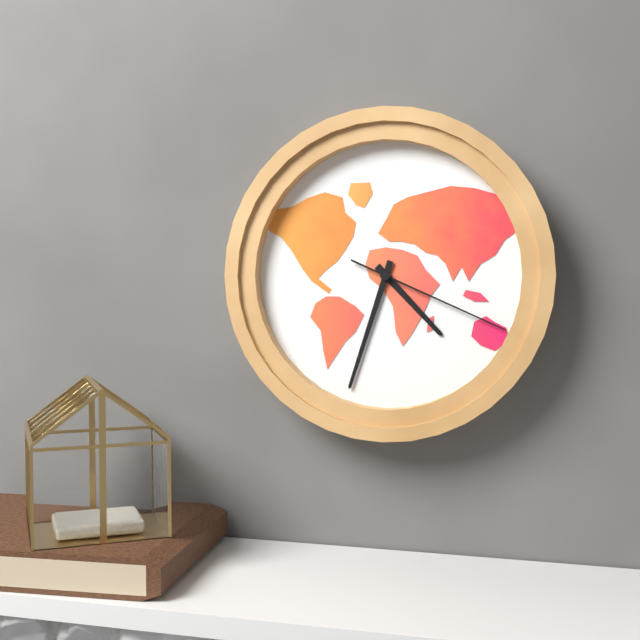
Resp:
4:33:19
